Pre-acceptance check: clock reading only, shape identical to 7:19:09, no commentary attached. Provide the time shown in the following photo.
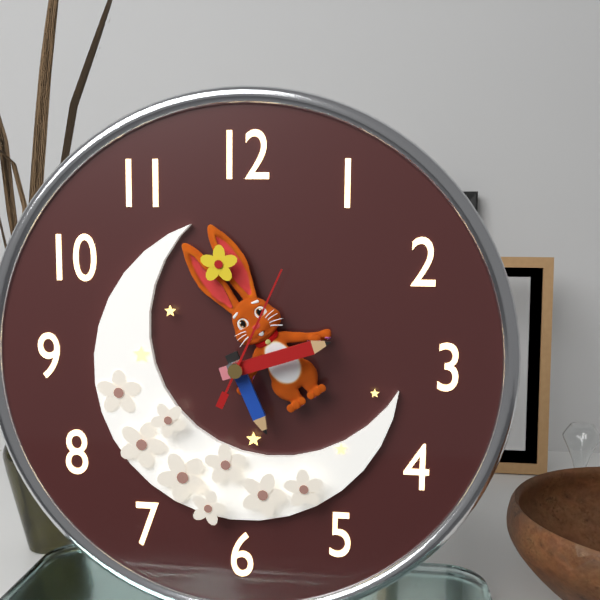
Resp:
5:12:04
